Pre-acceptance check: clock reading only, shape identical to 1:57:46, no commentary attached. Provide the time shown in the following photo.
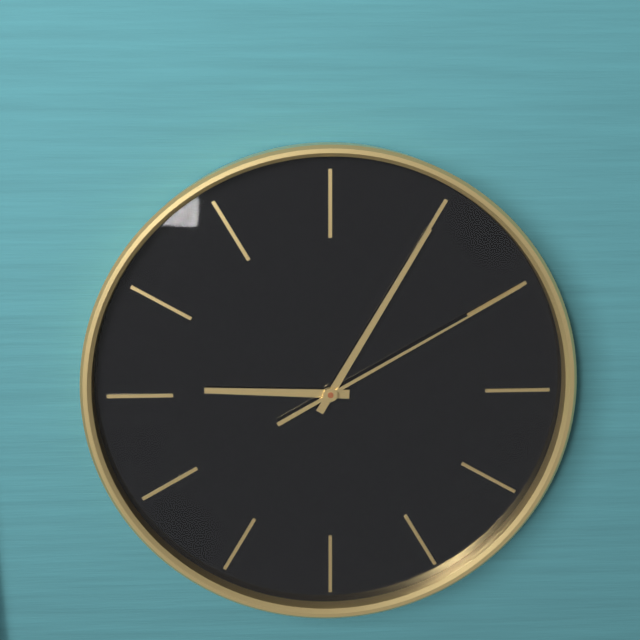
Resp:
9:05:10
